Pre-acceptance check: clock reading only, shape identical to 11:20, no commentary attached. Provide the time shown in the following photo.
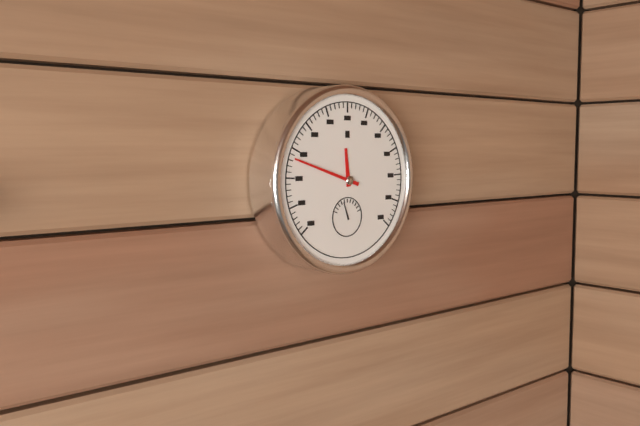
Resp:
11:48
